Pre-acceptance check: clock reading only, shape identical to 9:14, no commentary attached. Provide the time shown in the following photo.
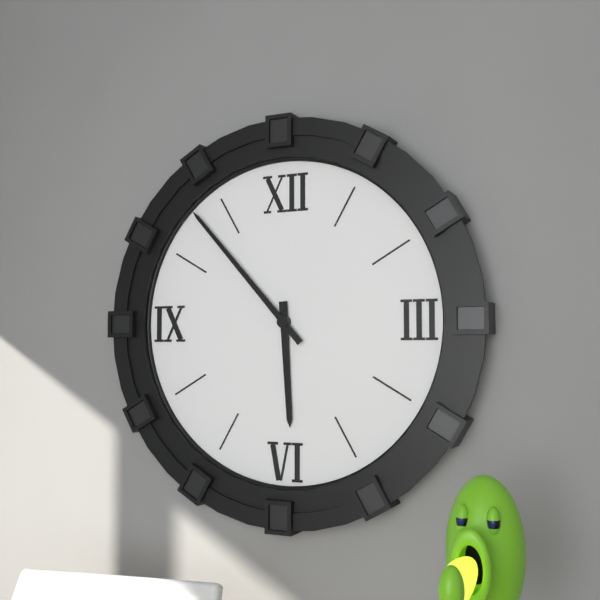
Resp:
5:53
